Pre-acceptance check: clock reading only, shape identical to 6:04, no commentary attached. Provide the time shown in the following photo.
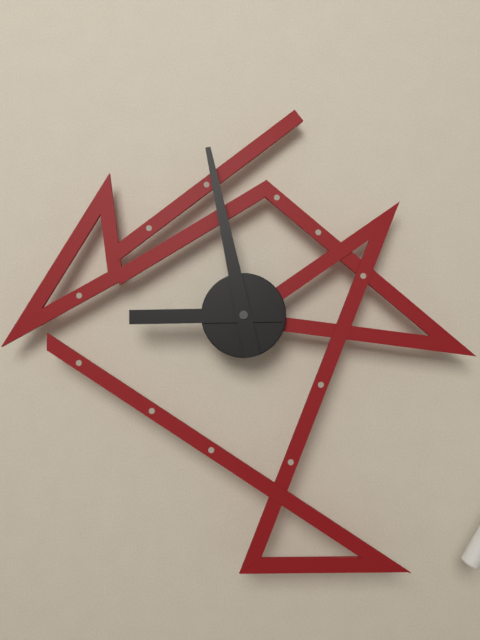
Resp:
8:58
